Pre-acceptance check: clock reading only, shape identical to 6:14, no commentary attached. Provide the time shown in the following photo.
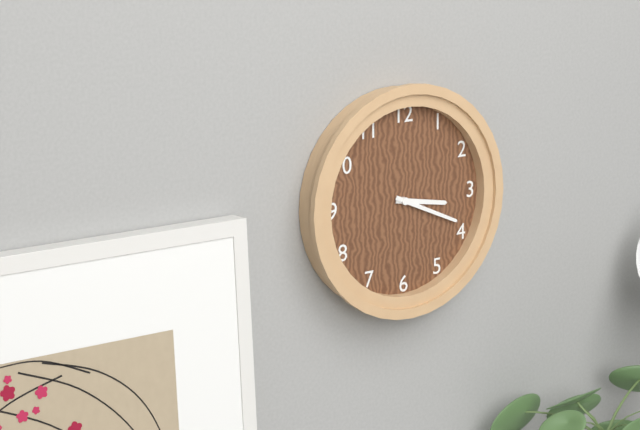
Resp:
3:19
